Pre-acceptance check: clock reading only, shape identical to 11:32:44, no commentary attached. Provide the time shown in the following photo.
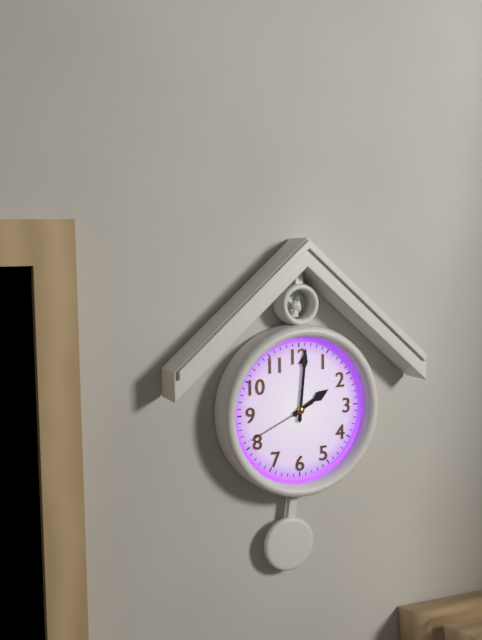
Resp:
2:01:41
